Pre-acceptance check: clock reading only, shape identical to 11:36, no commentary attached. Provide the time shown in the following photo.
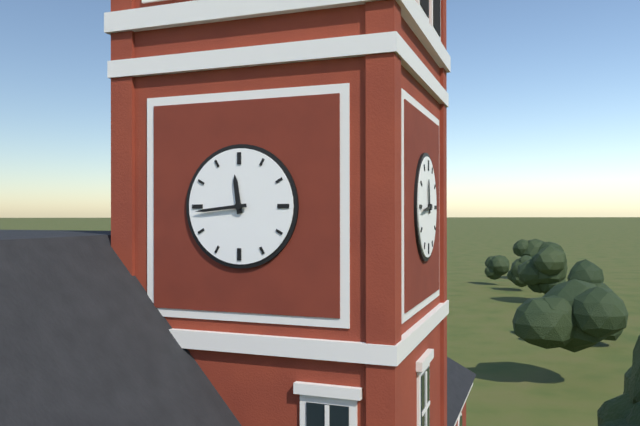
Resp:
11:44
